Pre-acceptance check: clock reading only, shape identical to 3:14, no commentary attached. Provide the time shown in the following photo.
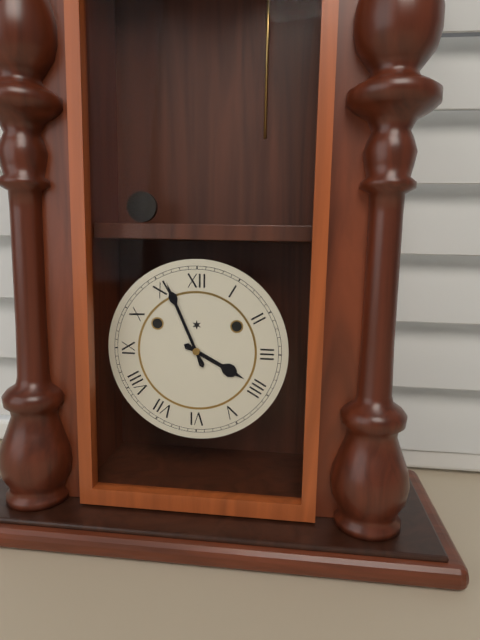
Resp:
3:56
